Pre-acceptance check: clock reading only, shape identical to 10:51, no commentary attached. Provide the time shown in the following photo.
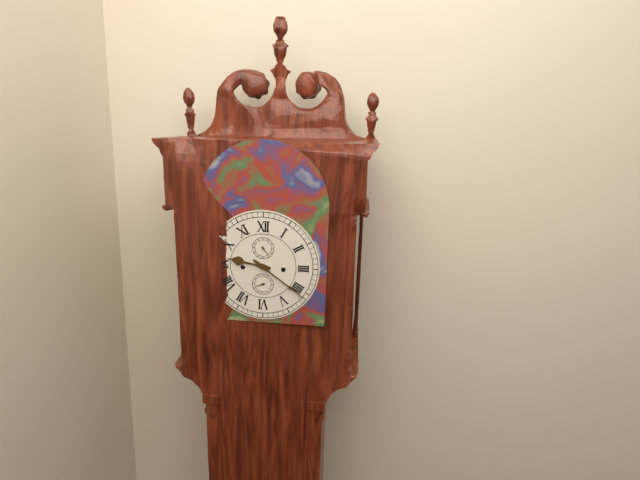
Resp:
9:21
